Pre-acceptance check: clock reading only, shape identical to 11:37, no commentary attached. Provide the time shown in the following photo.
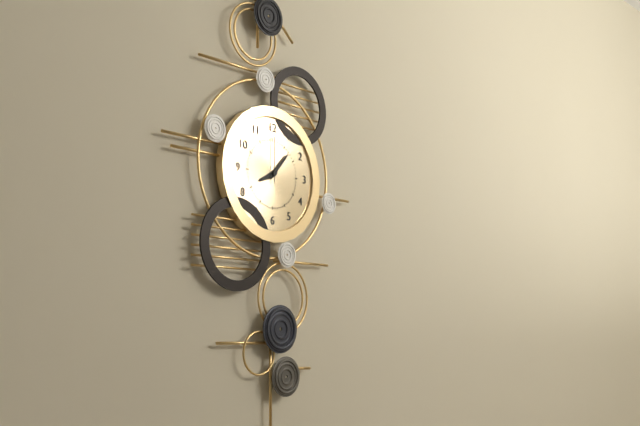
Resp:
8:07
